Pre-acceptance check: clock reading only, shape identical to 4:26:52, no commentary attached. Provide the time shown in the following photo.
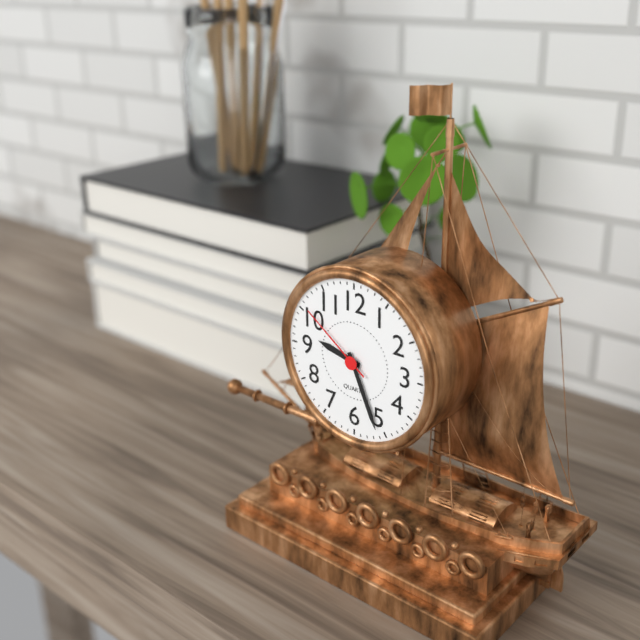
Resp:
9:26:51
